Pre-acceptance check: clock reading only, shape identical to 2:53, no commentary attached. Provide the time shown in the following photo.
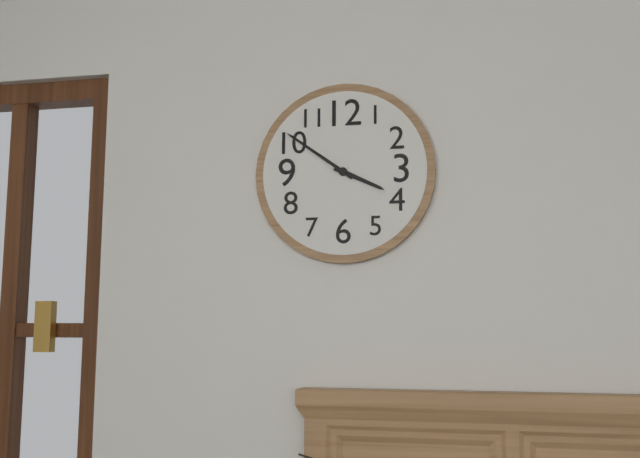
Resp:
3:51
